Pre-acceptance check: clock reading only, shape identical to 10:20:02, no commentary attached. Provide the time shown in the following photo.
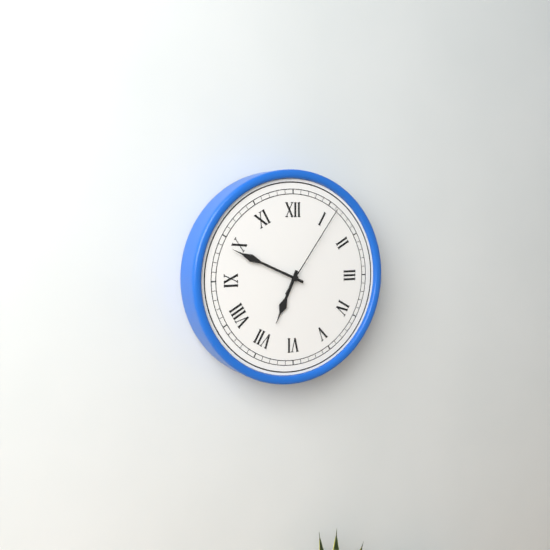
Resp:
6:49:06
